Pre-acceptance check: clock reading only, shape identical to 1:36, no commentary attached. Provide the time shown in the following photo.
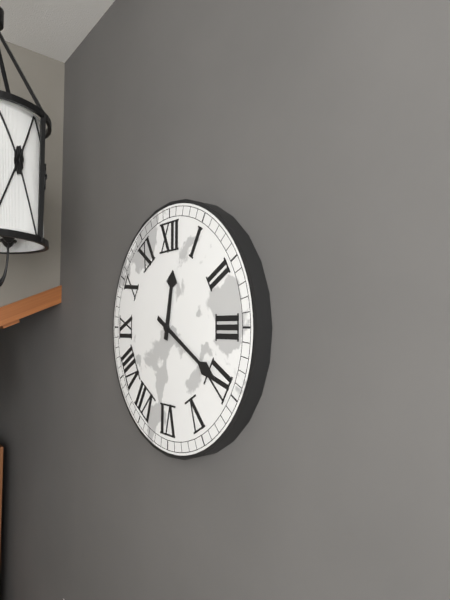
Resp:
12:20
